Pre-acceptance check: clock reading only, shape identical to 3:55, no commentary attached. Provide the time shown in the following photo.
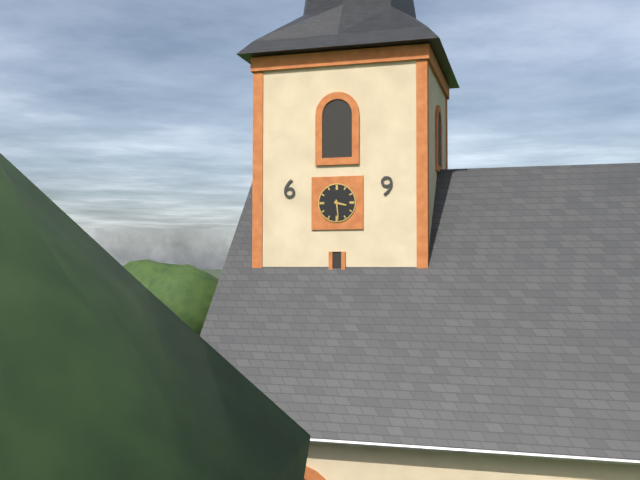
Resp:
3:29
